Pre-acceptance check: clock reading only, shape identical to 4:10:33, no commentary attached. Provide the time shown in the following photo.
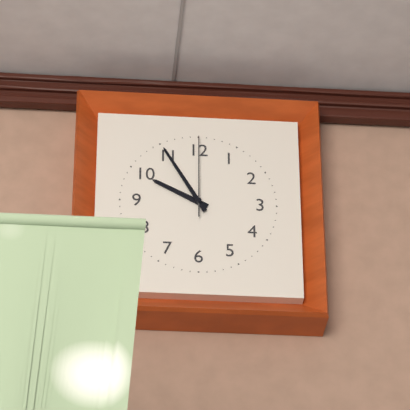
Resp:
9:55:00
